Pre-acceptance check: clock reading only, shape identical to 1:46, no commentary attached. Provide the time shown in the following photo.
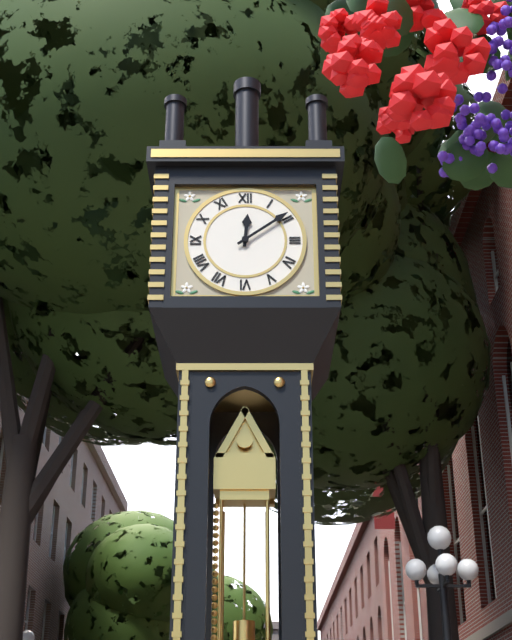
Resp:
12:09
